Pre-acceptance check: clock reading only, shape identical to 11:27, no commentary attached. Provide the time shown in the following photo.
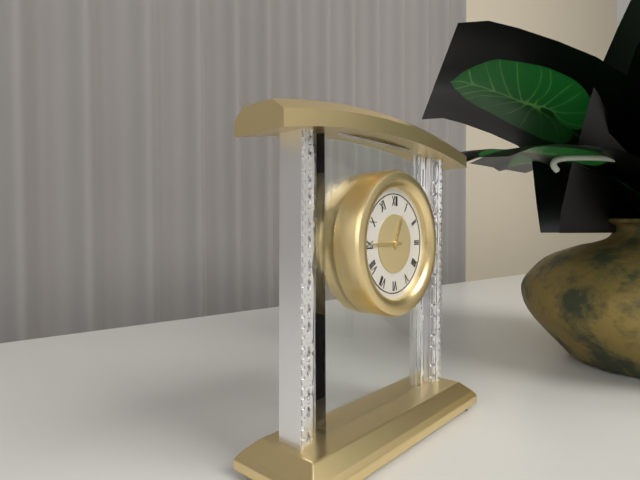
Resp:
12:45
